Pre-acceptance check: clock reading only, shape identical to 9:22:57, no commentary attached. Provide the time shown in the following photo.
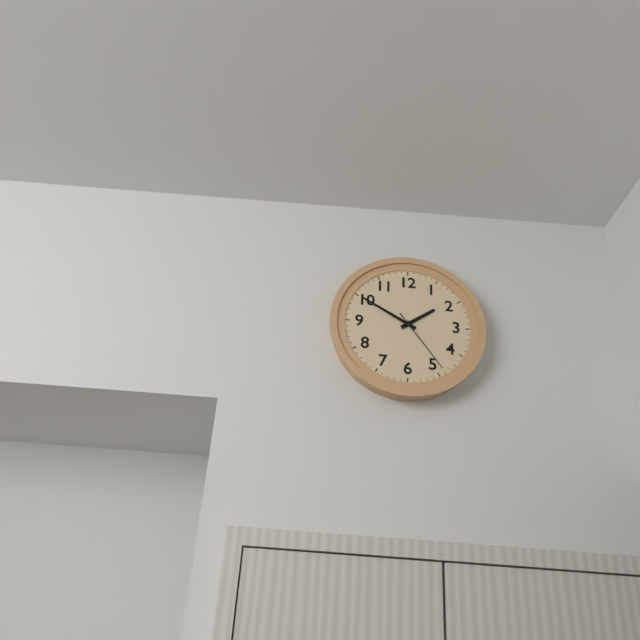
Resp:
1:50:24
